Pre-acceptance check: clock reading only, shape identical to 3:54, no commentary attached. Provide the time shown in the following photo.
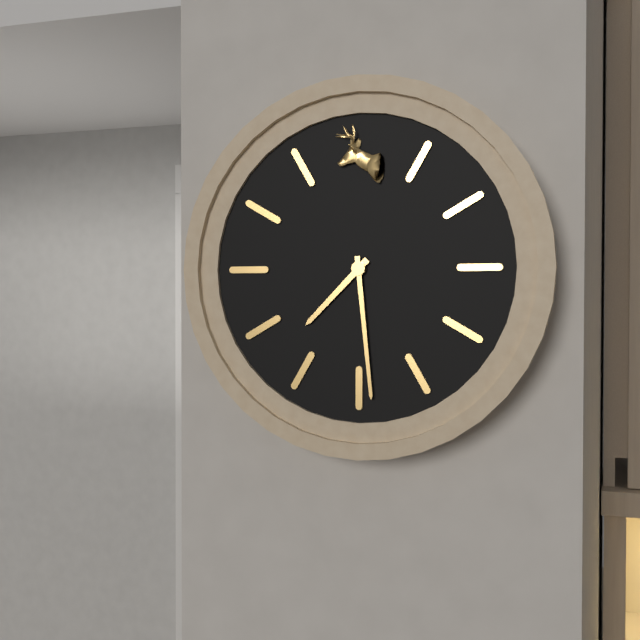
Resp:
7:29
